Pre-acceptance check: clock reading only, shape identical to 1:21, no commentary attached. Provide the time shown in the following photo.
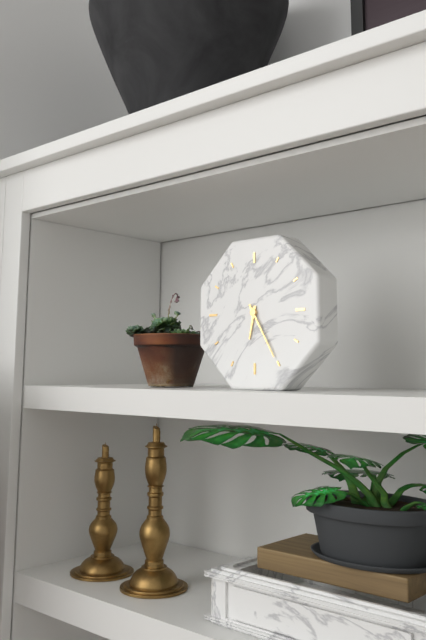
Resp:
6:25
